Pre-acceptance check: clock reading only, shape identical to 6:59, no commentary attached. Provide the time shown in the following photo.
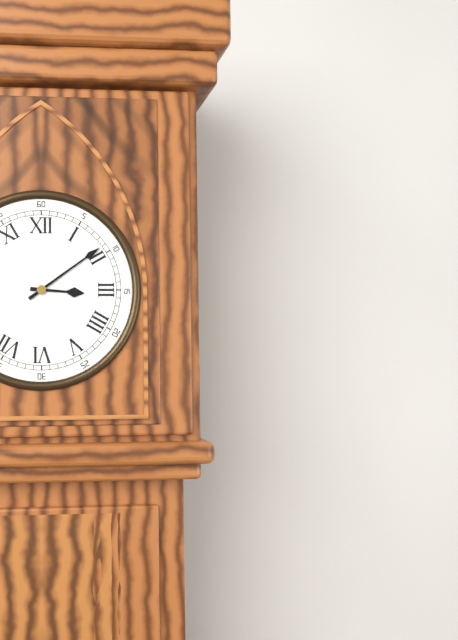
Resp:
3:09
